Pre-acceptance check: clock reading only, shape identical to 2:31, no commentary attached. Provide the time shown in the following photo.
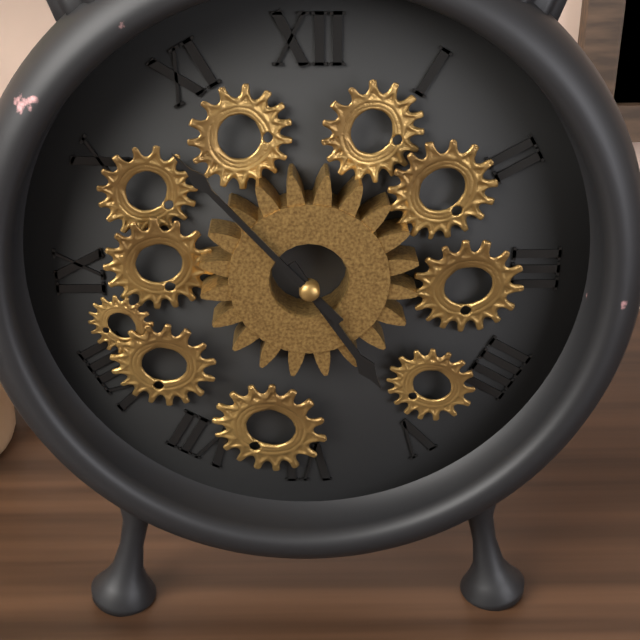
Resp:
4:53
